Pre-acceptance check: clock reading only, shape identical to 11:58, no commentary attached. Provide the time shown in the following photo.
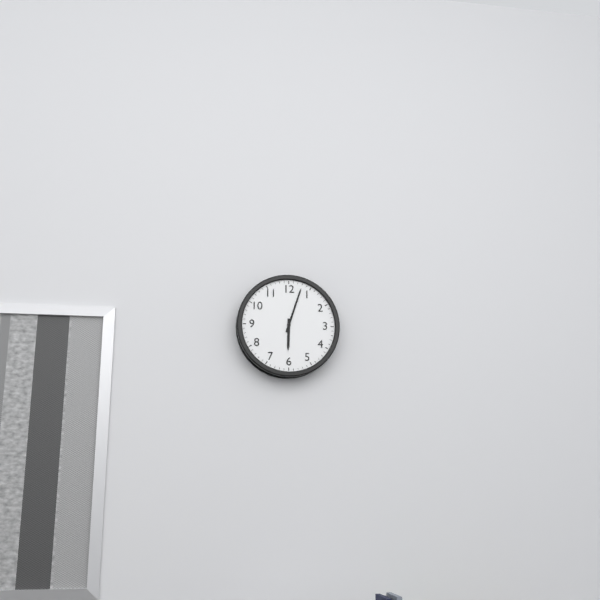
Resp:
6:03
